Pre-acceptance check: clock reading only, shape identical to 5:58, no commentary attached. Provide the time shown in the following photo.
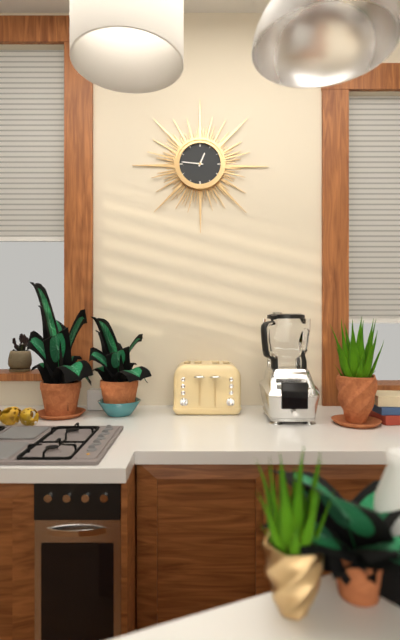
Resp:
12:46
